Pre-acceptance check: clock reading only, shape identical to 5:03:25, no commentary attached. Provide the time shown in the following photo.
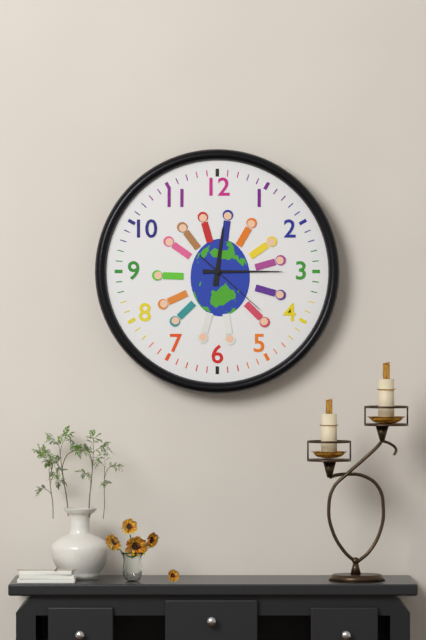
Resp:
12:15:22
